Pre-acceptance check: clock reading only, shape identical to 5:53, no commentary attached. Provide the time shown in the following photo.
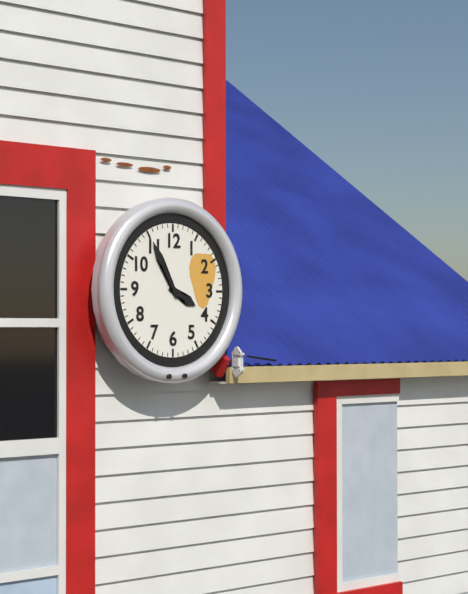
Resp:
3:55
